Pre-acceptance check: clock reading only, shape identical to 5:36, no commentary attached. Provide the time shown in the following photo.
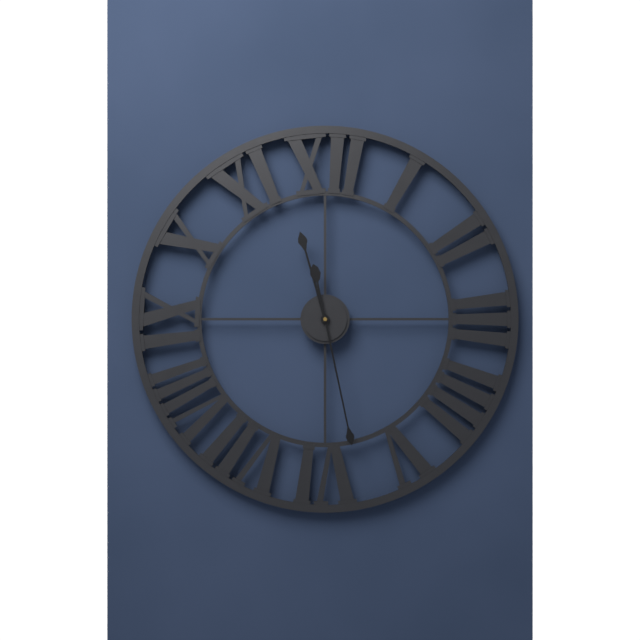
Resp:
11:28
